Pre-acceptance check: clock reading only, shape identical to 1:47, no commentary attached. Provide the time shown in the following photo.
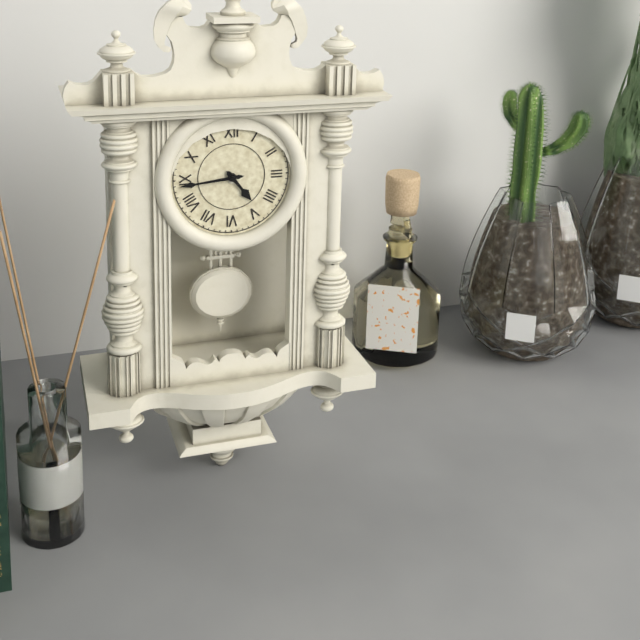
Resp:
4:44
